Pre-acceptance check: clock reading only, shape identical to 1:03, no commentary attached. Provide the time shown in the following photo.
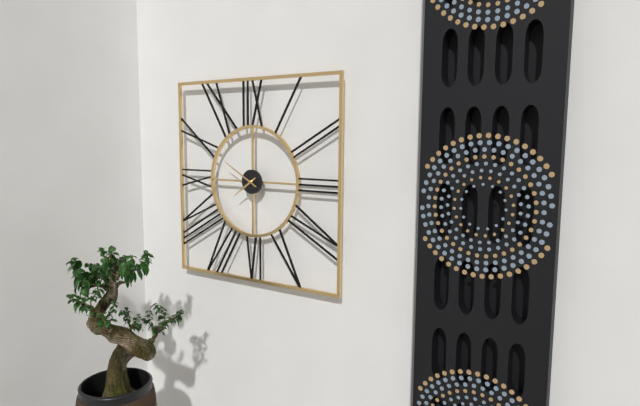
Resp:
7:50
